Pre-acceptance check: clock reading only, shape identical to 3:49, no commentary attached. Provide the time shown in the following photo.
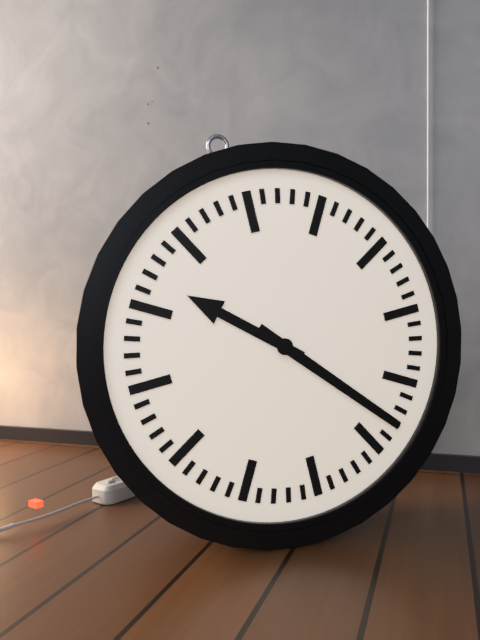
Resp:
10:23
